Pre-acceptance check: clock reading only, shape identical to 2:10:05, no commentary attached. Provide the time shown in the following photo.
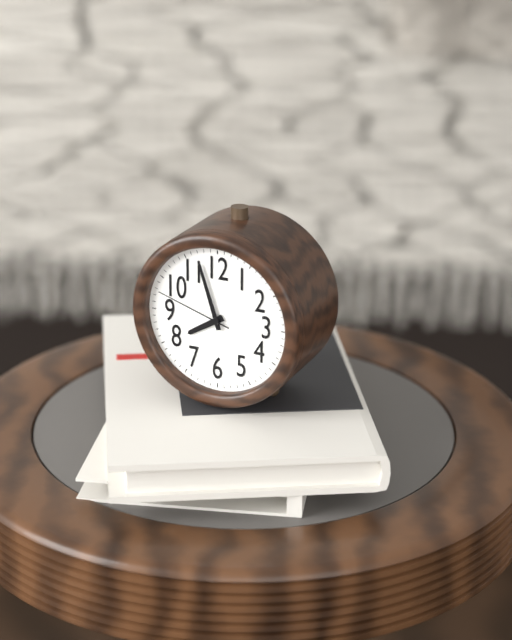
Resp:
7:57:48
